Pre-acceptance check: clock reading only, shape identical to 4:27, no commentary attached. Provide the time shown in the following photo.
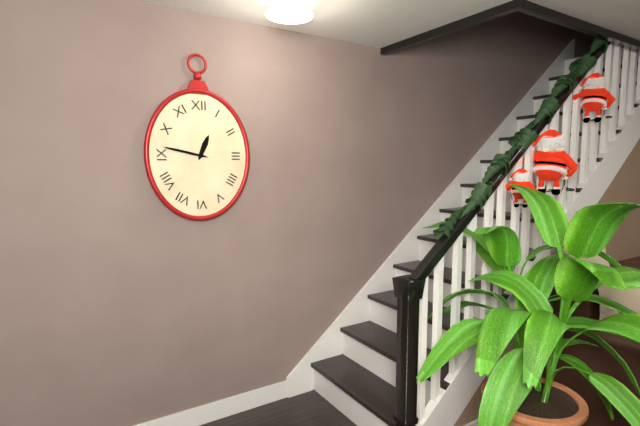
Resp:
12:47
